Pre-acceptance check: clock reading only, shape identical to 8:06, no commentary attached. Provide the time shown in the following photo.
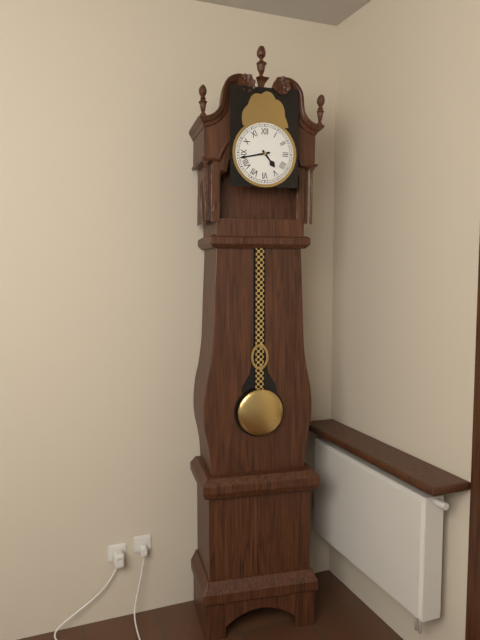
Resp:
4:43
